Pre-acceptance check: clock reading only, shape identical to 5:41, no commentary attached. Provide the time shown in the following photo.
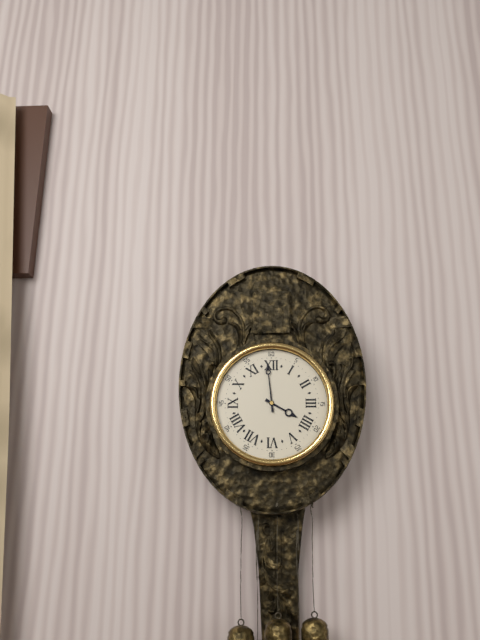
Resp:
3:59
